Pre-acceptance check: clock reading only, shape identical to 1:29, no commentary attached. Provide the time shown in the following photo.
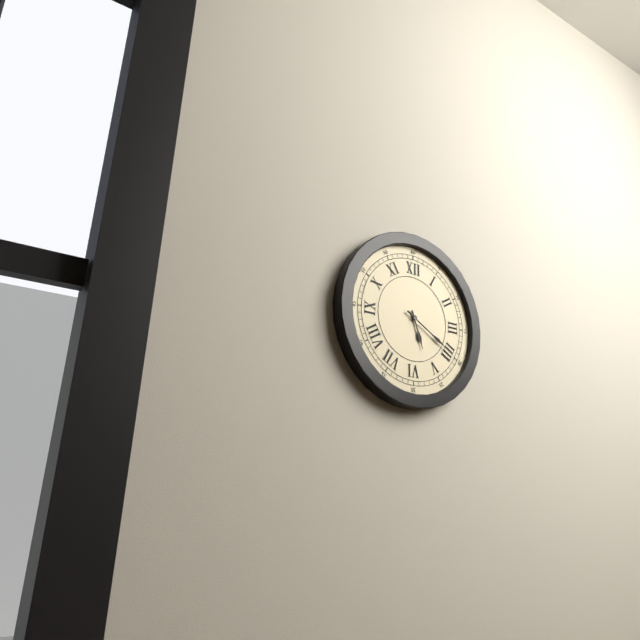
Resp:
5:20
